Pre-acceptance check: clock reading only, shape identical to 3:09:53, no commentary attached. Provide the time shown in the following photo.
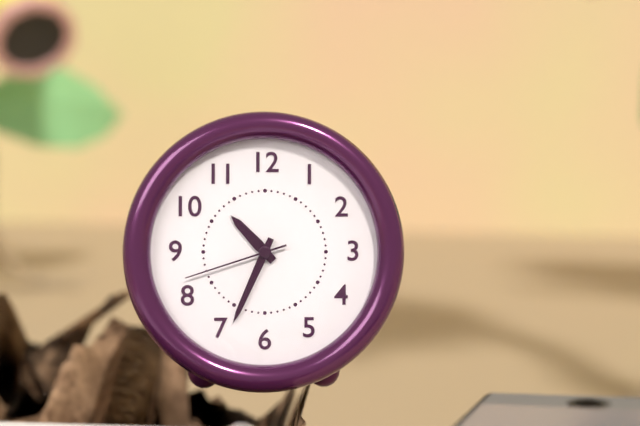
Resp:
10:34:42
